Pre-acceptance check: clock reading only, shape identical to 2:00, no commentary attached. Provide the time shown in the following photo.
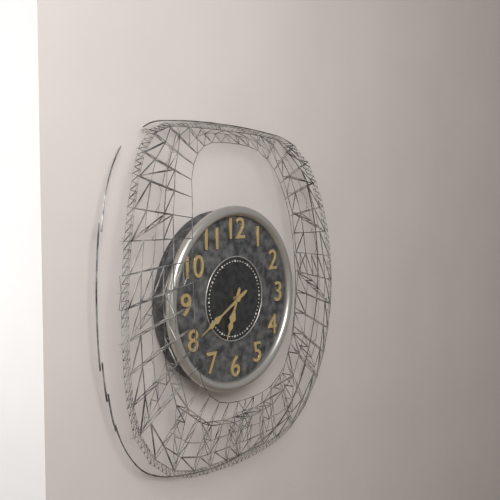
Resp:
6:40
